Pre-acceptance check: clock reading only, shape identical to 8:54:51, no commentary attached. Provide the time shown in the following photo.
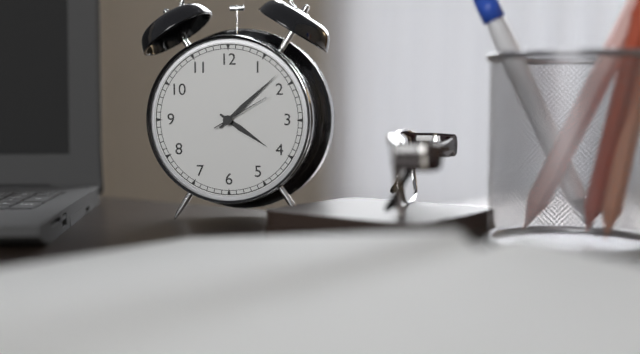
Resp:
4:08:10
